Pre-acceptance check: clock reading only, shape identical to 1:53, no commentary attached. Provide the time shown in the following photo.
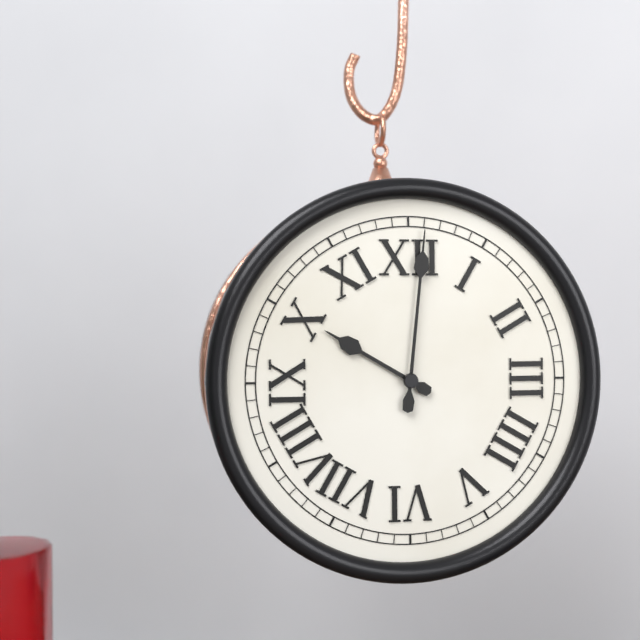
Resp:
10:01
